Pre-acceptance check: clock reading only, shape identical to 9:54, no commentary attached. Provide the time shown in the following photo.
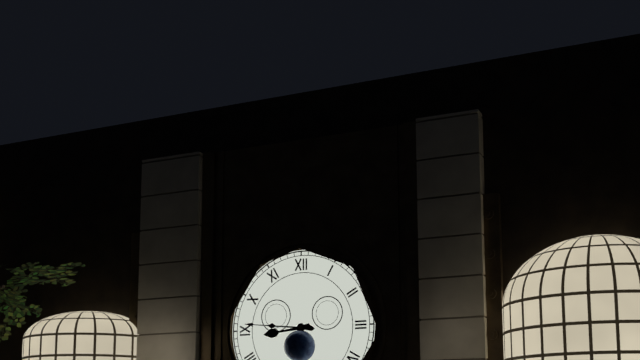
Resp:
8:46
